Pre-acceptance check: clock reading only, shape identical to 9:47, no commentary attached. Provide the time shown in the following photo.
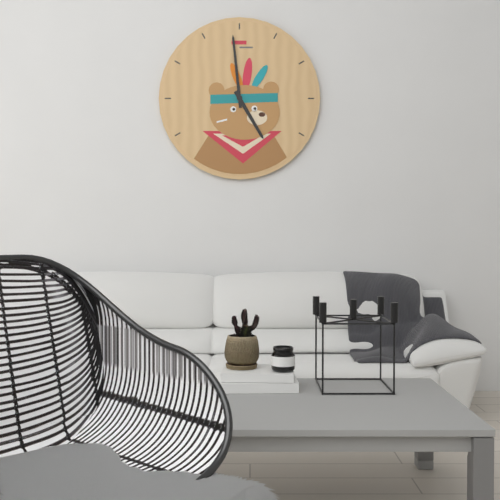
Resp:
4:59
